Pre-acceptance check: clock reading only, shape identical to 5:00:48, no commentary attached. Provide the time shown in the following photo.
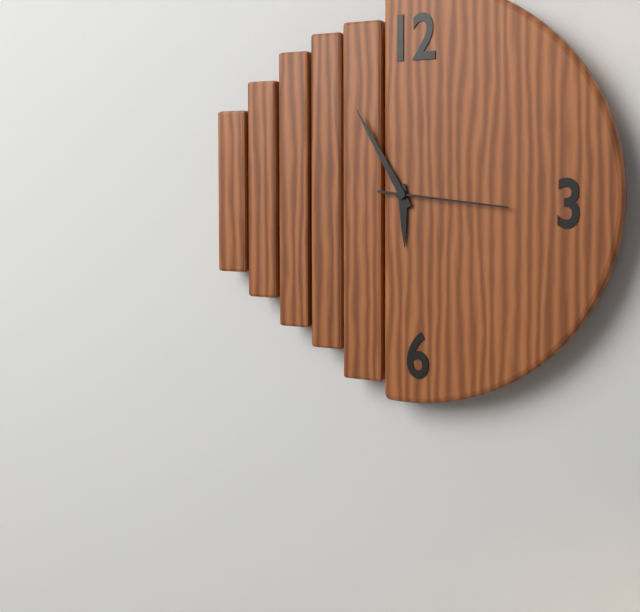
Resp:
5:55:16
